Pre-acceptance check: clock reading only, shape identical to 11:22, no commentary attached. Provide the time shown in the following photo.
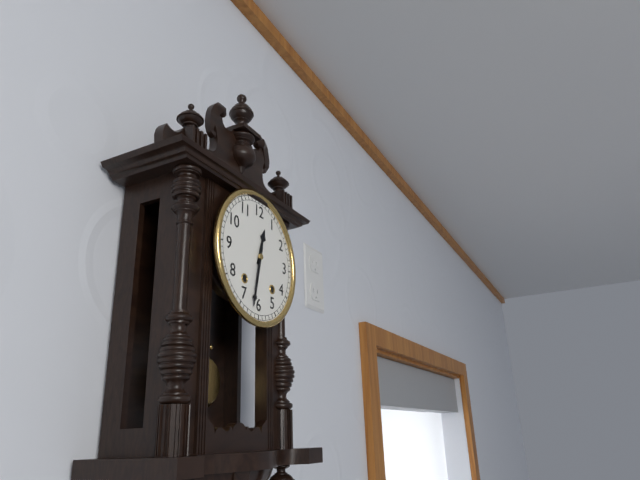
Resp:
12:32
